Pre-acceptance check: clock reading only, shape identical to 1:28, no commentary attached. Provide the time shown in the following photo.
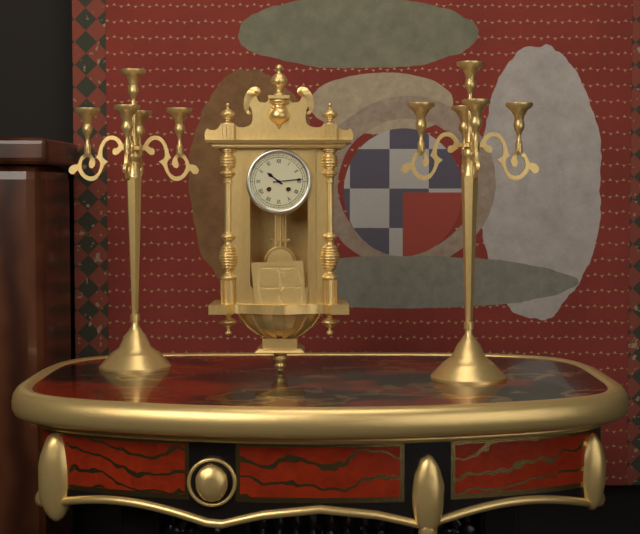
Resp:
10:14
